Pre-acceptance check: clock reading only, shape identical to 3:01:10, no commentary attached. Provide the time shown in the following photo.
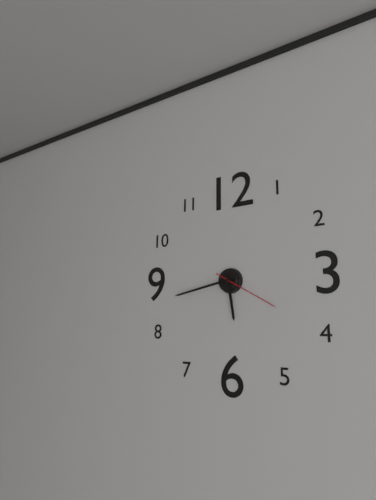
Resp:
5:43:20
